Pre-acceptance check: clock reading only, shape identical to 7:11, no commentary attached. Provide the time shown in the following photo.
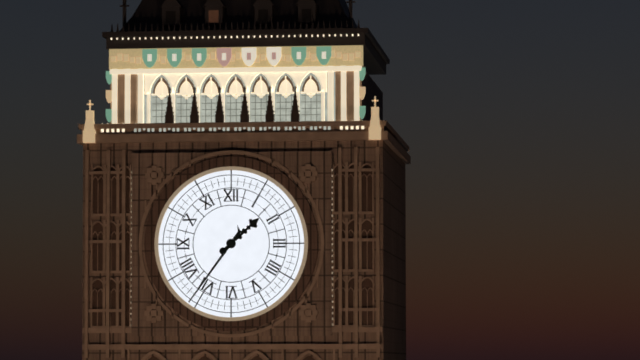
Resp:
1:36
